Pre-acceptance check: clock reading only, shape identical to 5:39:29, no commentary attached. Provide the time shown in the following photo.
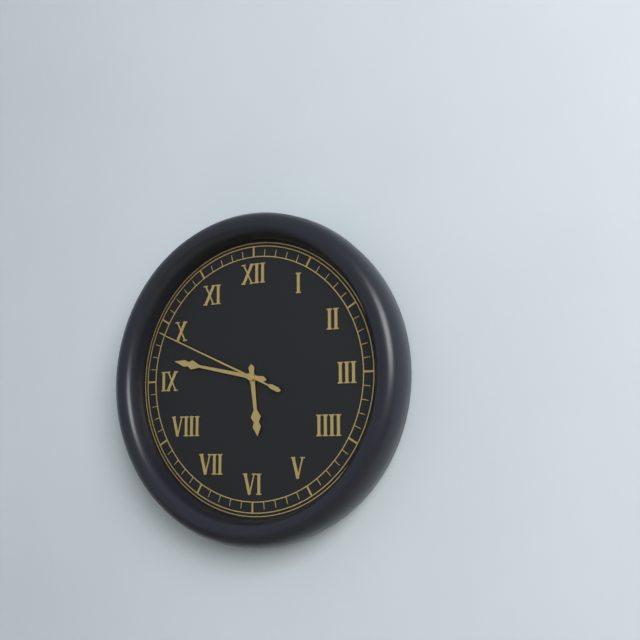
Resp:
5:47:49
